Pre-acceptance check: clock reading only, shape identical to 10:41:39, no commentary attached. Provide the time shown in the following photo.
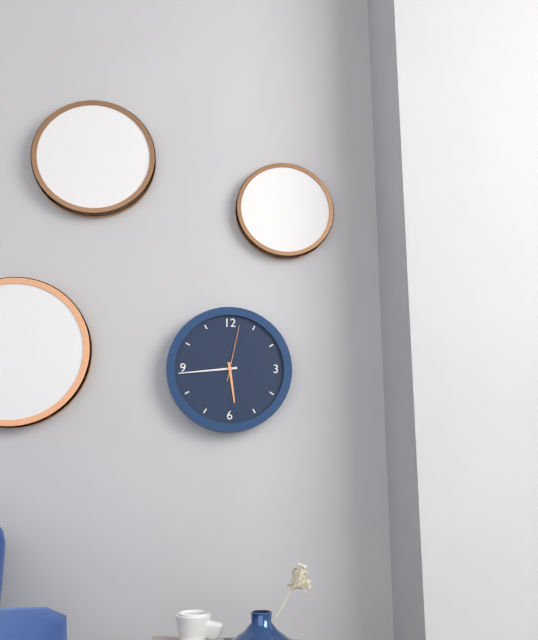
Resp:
5:44:02
